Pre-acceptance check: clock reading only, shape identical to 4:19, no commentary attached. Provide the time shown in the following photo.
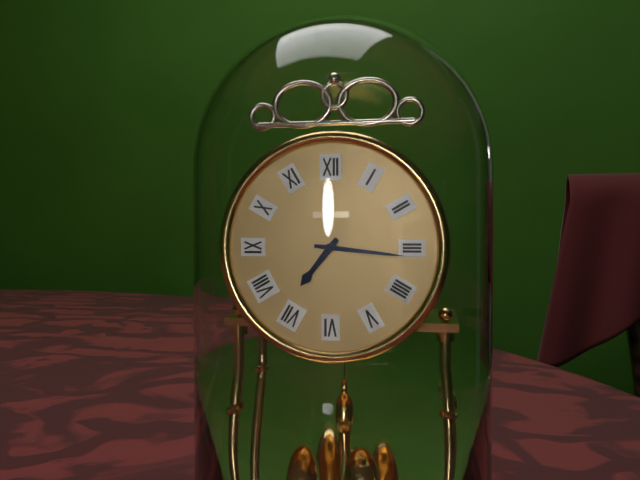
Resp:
7:16
